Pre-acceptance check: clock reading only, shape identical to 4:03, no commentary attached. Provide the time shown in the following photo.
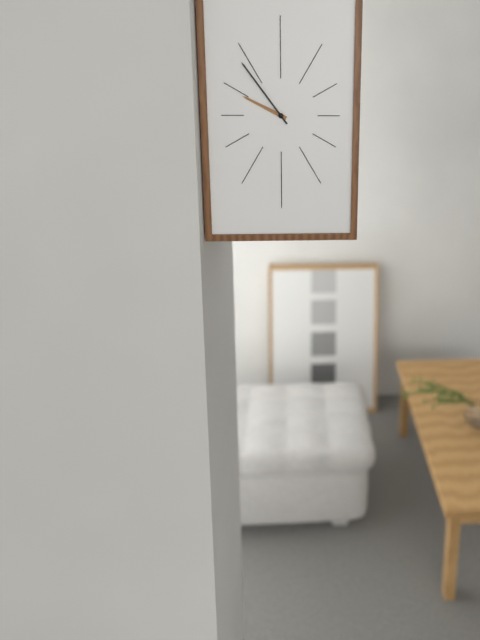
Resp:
9:54
